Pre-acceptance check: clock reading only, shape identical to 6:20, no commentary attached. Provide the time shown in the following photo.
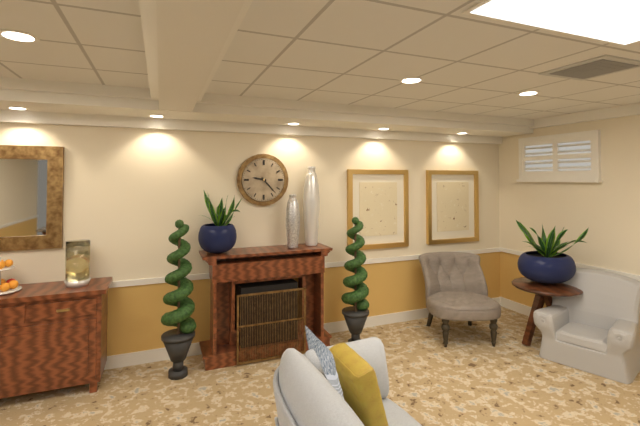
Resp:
9:23
